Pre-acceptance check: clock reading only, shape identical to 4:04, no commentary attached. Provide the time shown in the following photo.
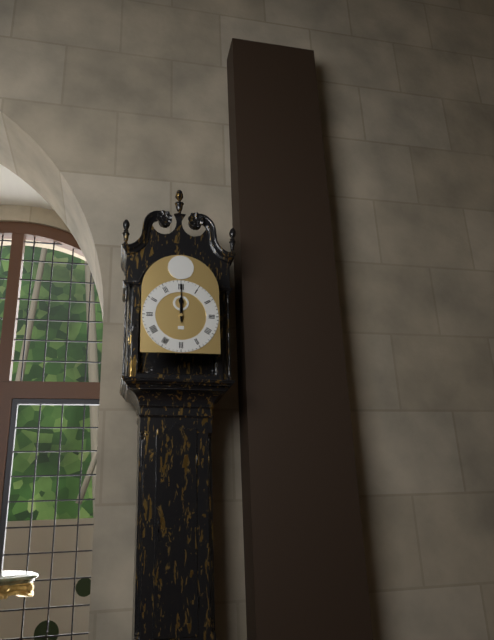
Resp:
12:00
